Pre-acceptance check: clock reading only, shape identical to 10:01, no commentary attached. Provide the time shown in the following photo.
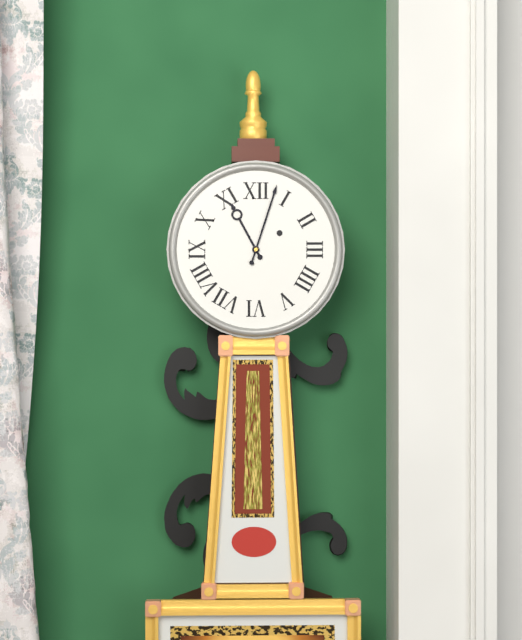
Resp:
11:03
